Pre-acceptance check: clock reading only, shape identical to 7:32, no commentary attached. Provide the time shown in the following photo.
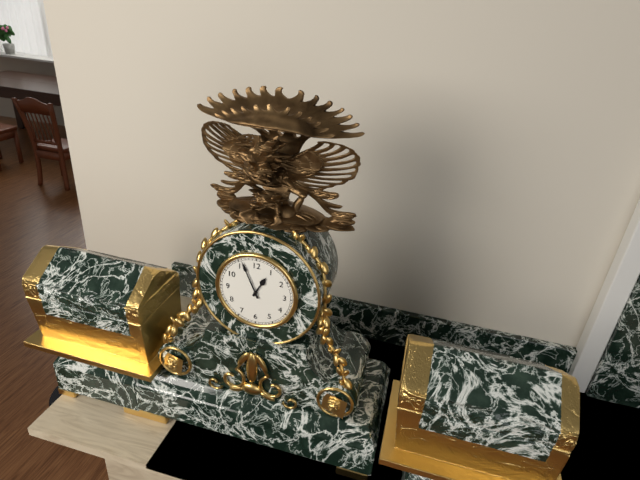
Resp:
12:56
